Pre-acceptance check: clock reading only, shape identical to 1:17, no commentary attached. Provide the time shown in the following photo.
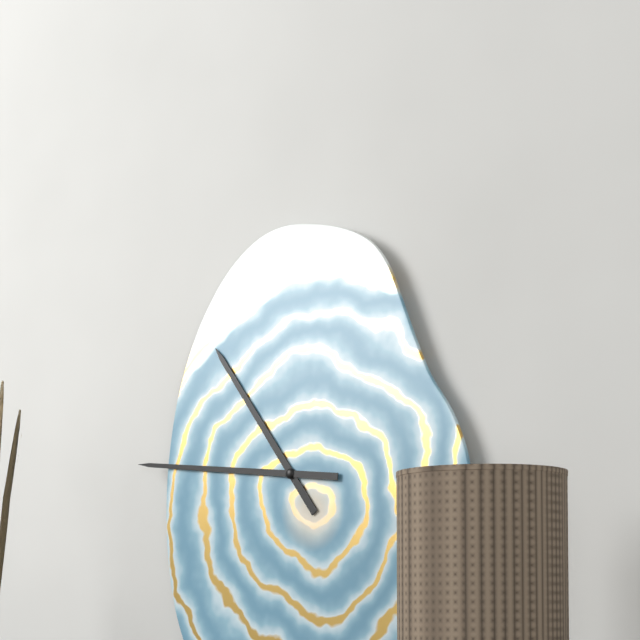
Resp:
10:46
